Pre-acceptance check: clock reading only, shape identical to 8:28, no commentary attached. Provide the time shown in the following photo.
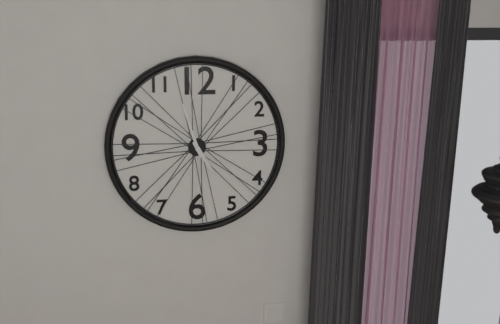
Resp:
4:57
